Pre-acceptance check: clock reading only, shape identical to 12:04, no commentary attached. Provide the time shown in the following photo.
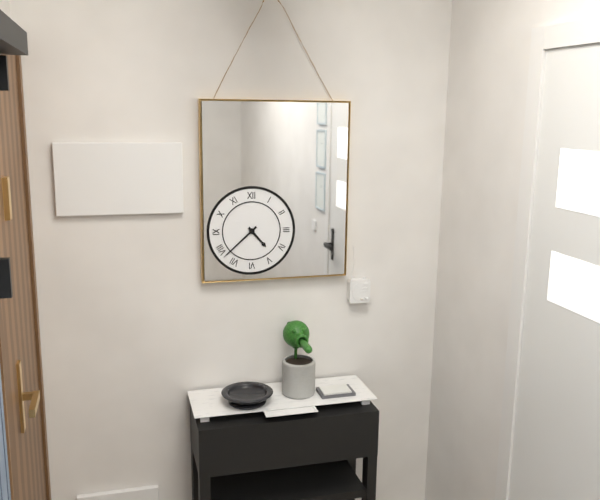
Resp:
4:38
